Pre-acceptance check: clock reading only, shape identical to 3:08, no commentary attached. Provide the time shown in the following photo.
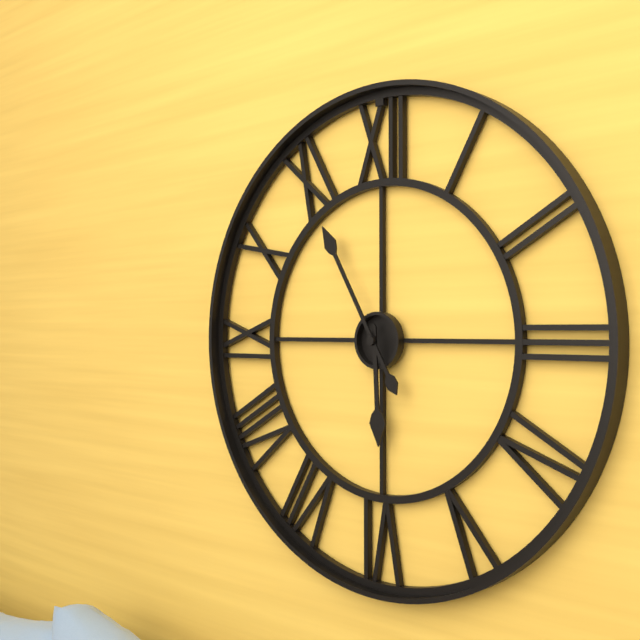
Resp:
5:55
